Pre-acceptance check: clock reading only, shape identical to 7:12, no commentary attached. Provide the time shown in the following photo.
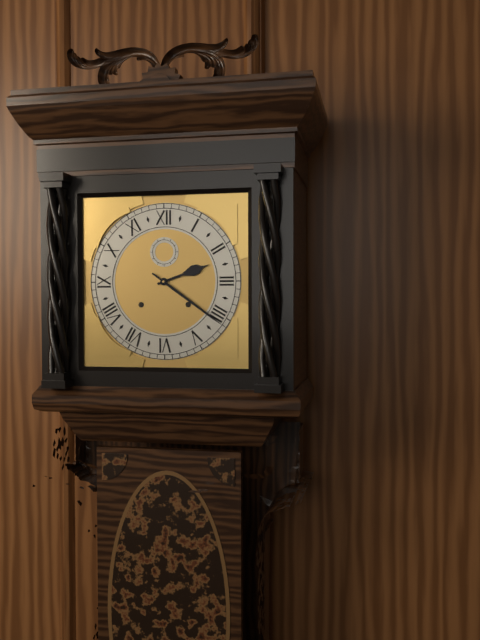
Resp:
2:21
